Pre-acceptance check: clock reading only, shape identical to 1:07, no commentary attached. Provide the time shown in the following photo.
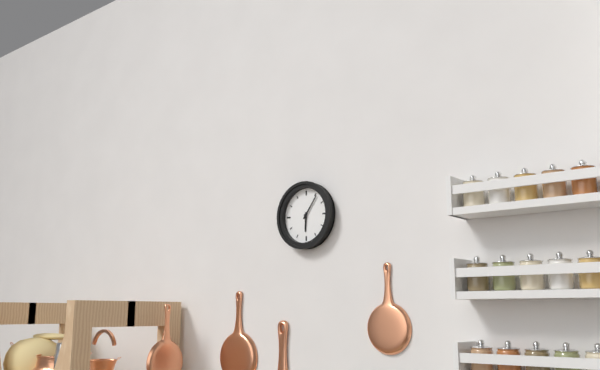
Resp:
6:06
